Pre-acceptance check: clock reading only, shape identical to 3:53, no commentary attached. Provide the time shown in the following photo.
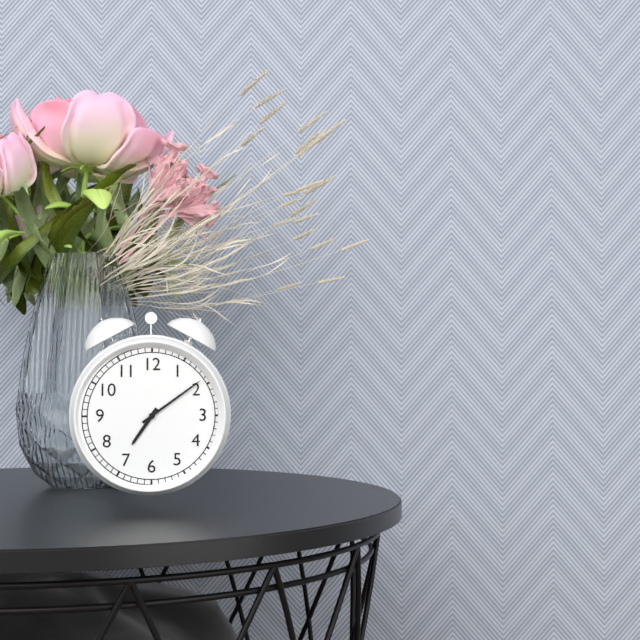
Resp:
7:09
